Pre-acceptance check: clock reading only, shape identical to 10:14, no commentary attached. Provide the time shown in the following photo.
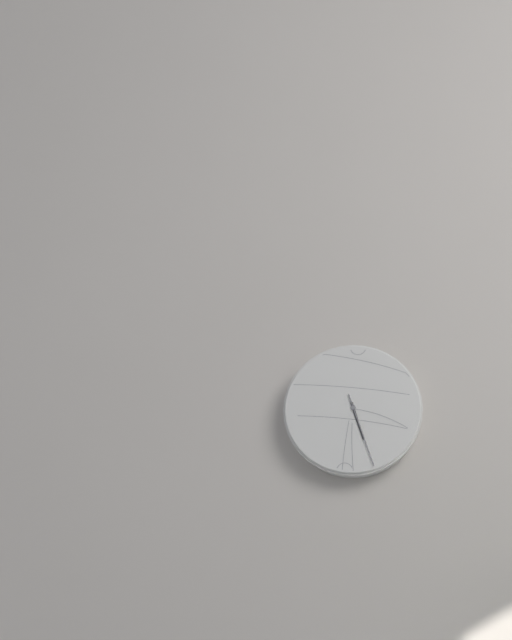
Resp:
5:27
